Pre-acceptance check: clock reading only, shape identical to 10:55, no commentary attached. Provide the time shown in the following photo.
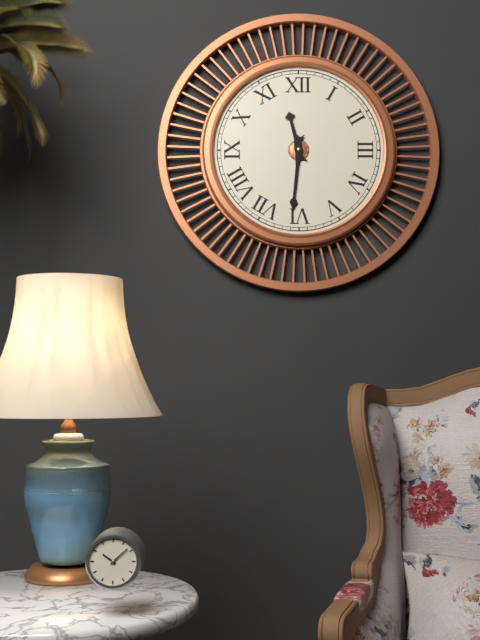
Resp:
11:31
